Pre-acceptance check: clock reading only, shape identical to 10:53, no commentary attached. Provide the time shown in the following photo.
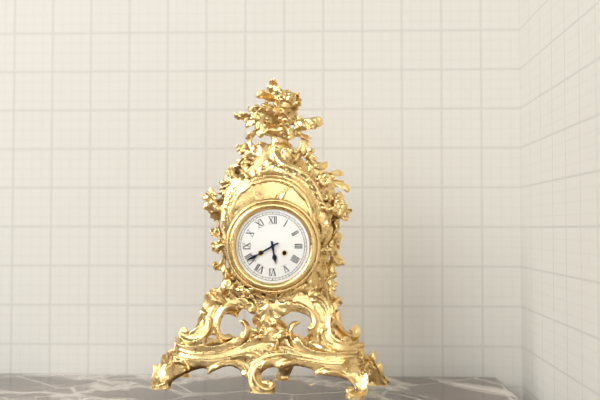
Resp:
5:40
